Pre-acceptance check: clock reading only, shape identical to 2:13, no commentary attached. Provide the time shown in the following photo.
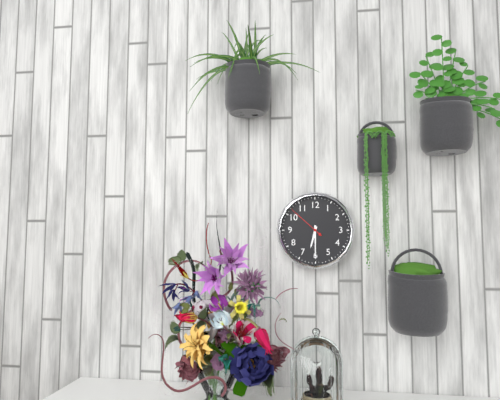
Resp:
6:30
